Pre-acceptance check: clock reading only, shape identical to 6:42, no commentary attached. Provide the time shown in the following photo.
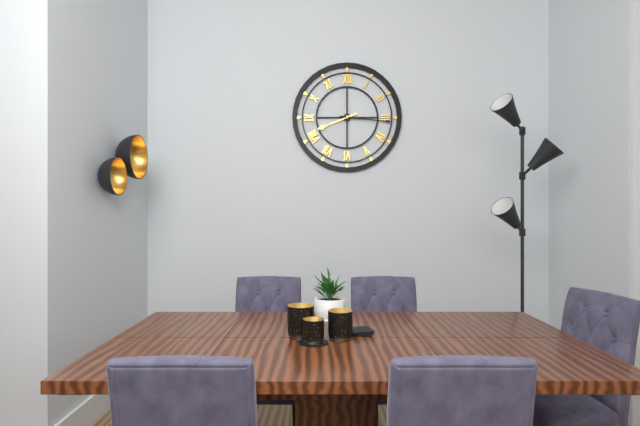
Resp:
8:16
